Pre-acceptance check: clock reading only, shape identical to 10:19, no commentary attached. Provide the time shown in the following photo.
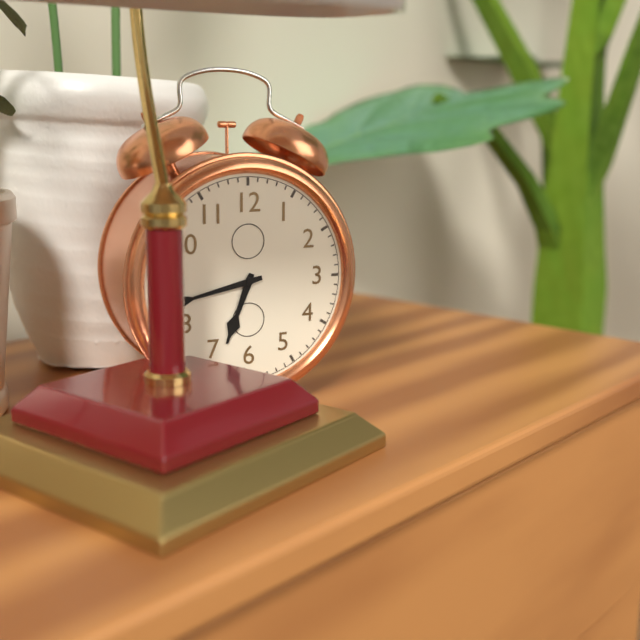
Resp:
6:43
